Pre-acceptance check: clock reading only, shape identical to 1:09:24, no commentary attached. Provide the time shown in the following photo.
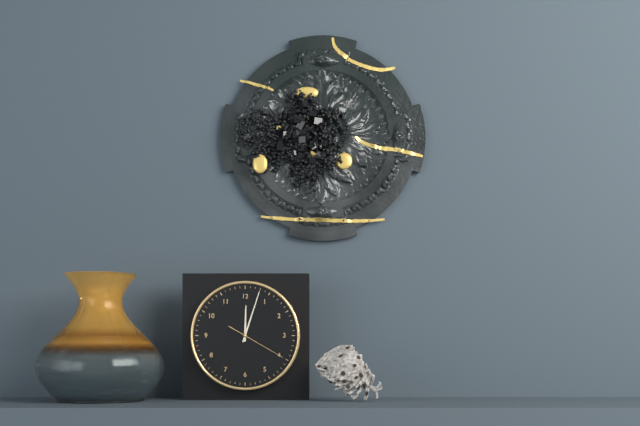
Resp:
12:03:20
